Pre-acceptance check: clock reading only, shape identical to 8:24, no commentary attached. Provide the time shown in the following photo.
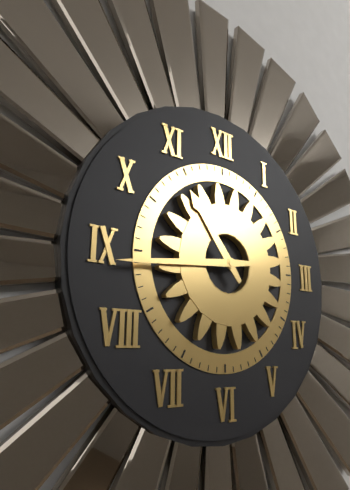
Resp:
10:44
